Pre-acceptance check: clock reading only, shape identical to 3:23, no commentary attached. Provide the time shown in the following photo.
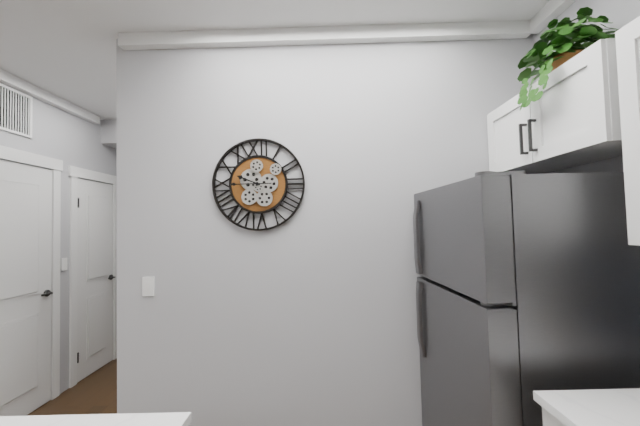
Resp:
9:45
